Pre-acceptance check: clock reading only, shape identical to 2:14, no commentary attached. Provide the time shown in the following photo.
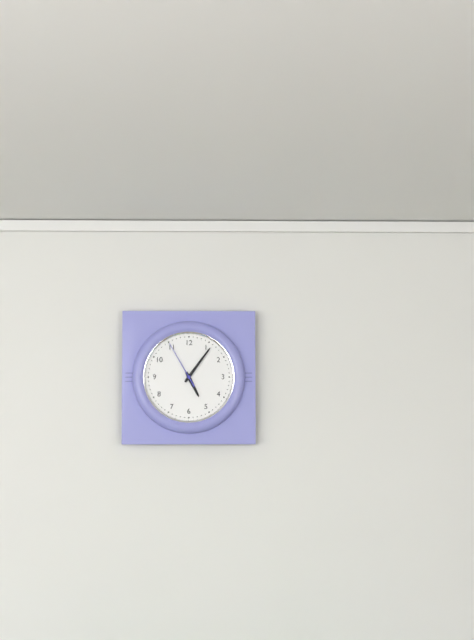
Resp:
5:06
